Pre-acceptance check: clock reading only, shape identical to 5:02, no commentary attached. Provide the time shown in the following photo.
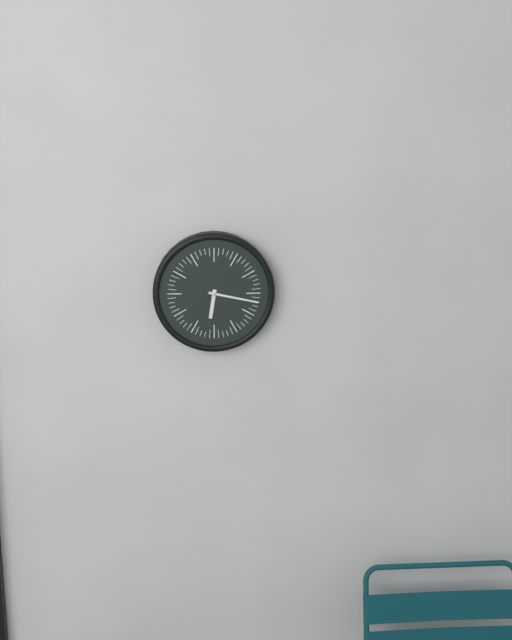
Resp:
6:17
